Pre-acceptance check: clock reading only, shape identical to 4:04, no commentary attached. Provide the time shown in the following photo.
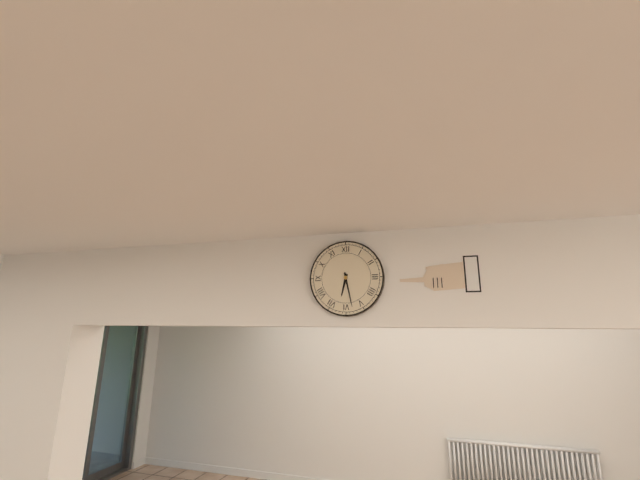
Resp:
6:28
